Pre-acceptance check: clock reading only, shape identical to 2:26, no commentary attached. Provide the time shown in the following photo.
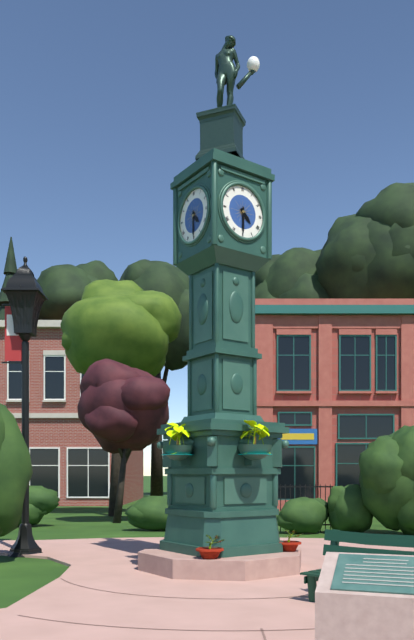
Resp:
4:30
